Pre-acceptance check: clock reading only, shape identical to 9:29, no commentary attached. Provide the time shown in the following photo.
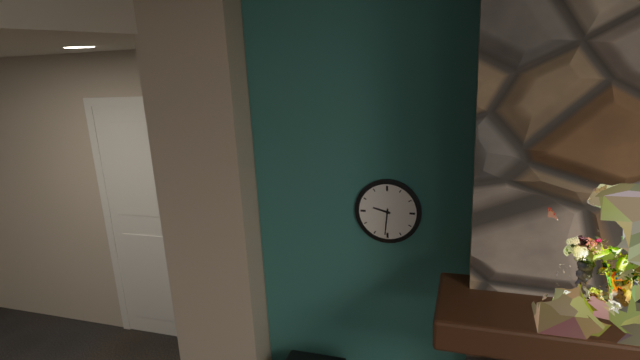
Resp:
9:31
